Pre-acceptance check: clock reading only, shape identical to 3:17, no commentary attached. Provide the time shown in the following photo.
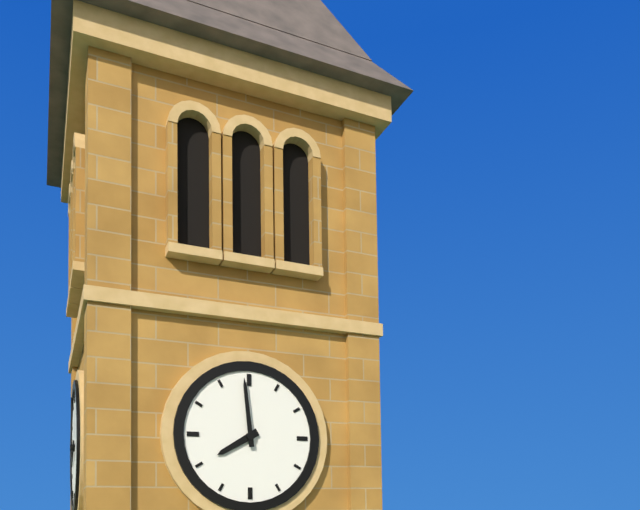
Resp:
7:59
